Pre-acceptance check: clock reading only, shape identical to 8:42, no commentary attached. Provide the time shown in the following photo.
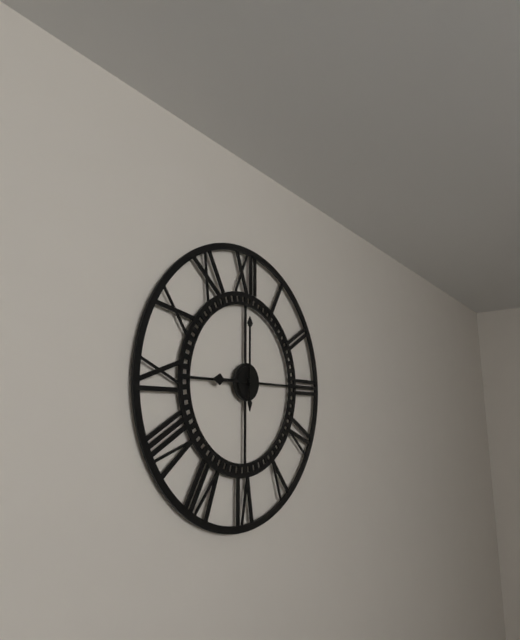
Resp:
9:00
